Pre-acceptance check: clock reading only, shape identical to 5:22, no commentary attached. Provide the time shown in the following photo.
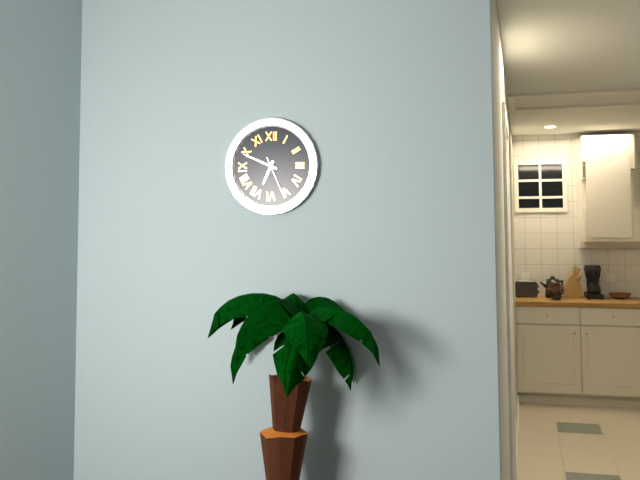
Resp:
6:49
